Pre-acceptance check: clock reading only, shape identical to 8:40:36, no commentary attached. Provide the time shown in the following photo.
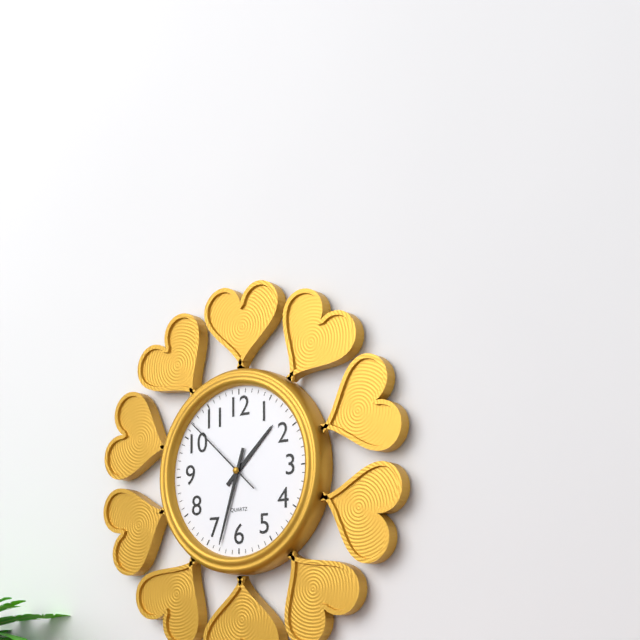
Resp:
1:33:52
